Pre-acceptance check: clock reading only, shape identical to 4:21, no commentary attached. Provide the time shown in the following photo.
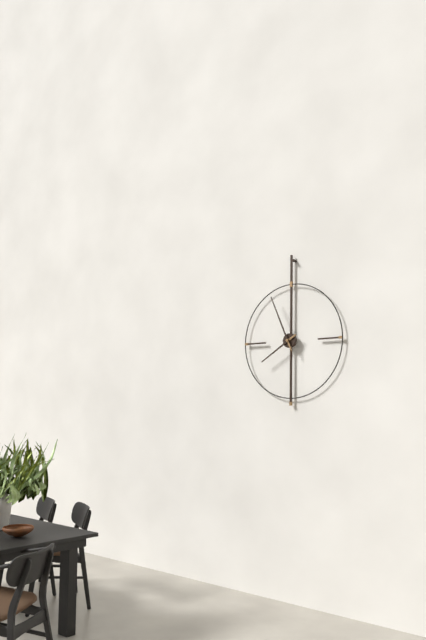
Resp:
7:56
